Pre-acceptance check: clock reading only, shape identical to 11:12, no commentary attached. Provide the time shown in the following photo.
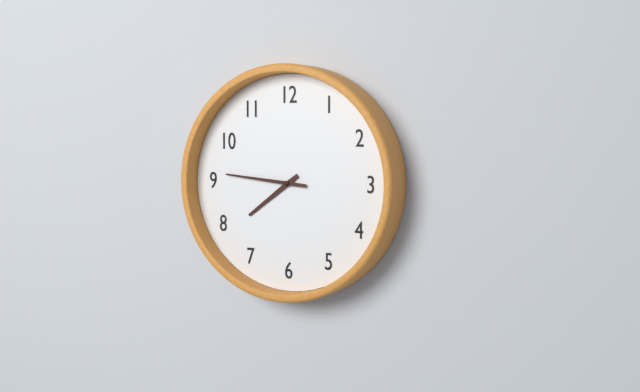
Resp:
7:46
